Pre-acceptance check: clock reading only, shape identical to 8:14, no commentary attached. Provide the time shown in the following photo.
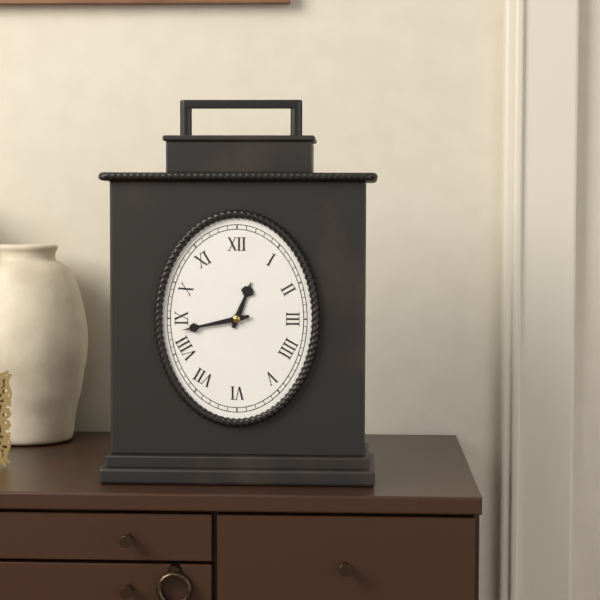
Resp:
12:43
